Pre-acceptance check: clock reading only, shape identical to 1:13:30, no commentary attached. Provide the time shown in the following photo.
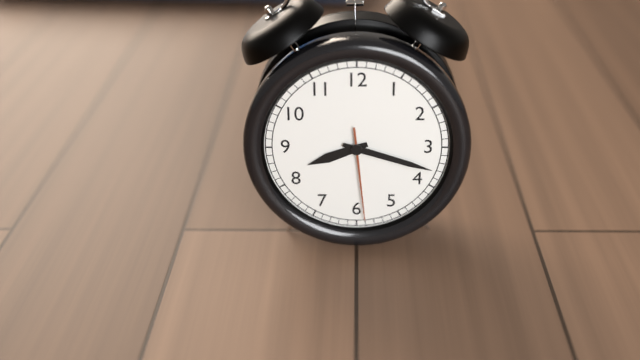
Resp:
8:18:29
